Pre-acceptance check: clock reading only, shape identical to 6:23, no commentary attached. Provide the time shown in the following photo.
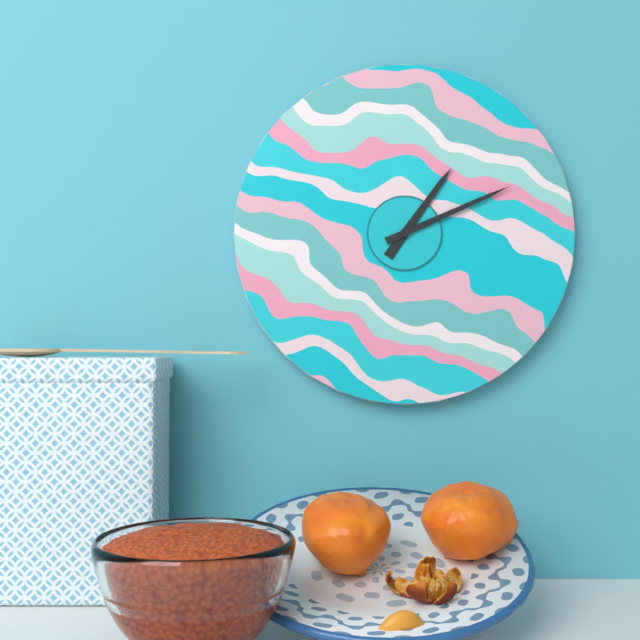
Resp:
1:11
